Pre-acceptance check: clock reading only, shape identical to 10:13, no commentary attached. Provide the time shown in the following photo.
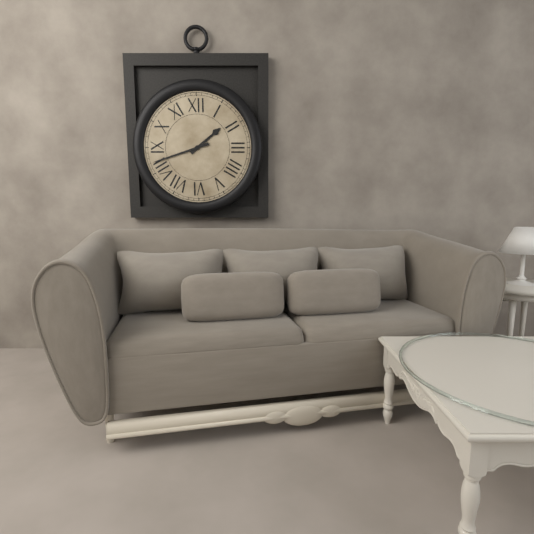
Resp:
1:42
